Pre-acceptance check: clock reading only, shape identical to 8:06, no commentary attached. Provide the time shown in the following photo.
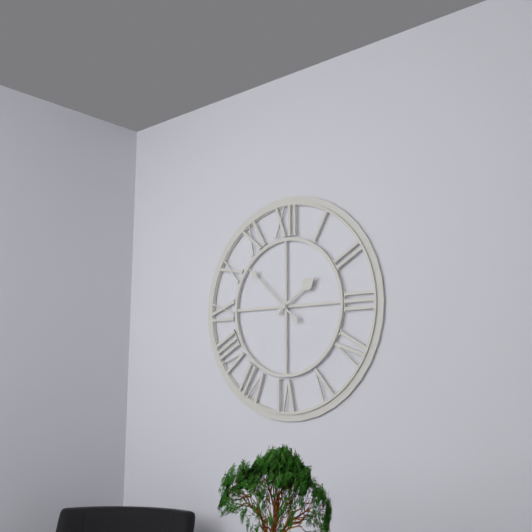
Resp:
1:52
